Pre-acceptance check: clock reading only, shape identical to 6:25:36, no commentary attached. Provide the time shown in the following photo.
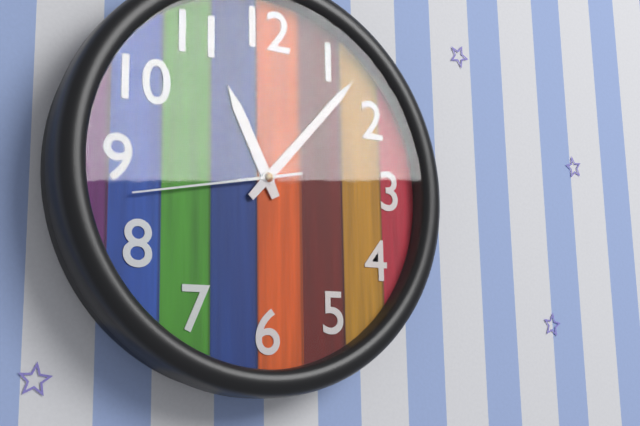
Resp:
11:07:43
